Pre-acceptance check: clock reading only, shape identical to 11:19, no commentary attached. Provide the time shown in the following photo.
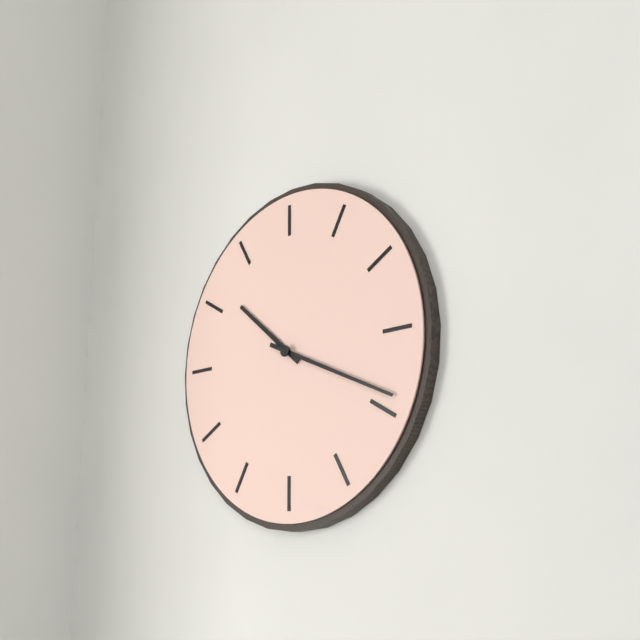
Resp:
10:19
